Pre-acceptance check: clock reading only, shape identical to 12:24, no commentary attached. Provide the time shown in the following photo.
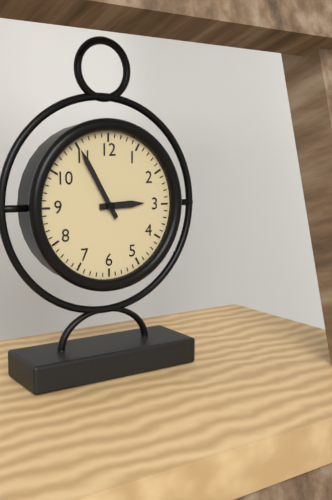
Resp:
2:55
